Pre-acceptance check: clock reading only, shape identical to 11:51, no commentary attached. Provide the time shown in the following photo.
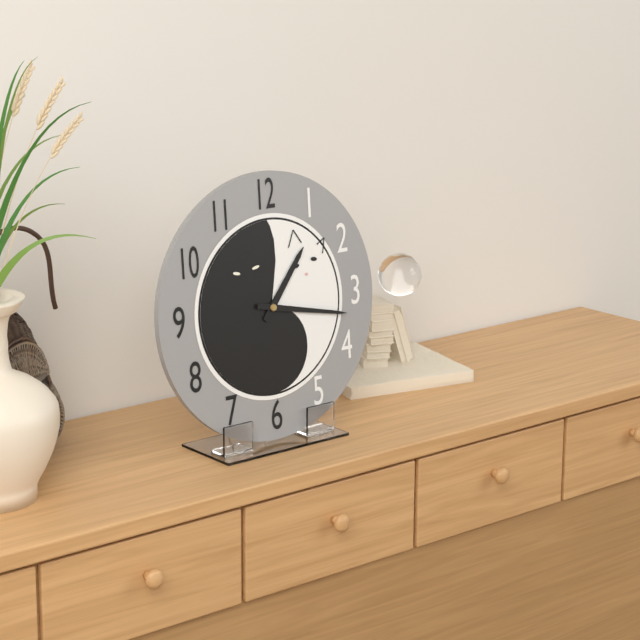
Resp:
1:17
